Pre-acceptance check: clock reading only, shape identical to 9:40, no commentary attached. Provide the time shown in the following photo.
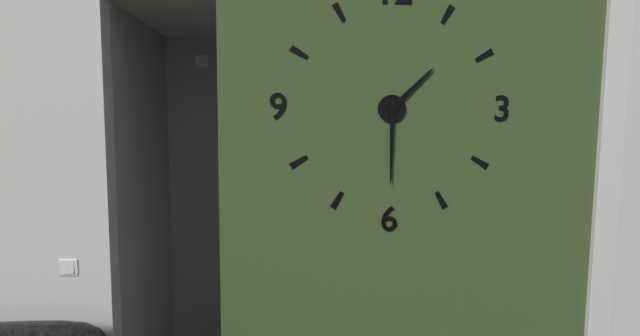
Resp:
1:30
